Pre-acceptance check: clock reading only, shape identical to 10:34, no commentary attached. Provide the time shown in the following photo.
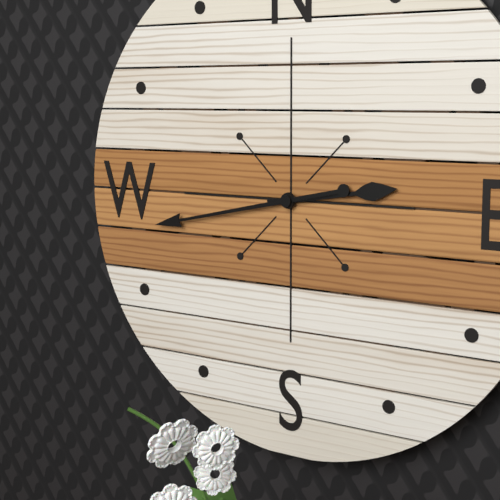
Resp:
2:43
